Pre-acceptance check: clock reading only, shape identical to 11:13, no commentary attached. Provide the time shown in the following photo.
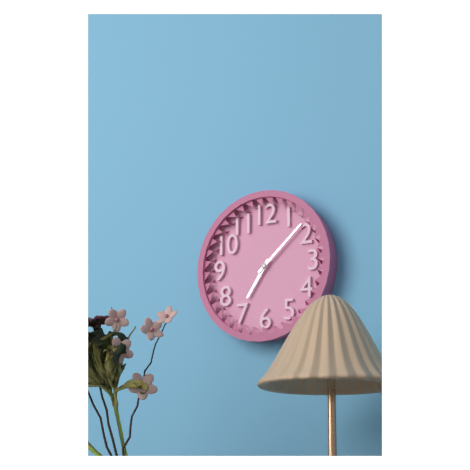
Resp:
7:08
